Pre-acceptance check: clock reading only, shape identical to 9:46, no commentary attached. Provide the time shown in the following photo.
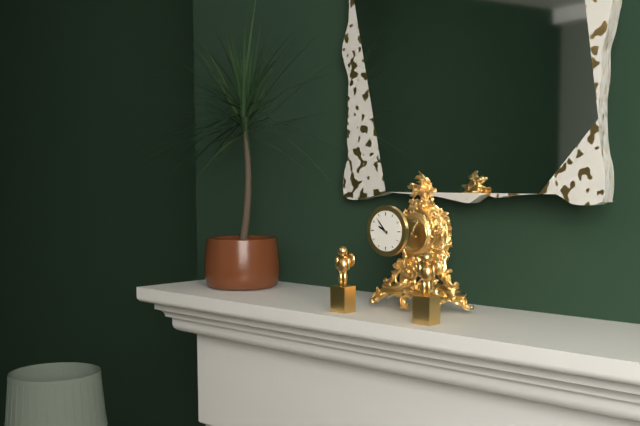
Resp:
9:53
